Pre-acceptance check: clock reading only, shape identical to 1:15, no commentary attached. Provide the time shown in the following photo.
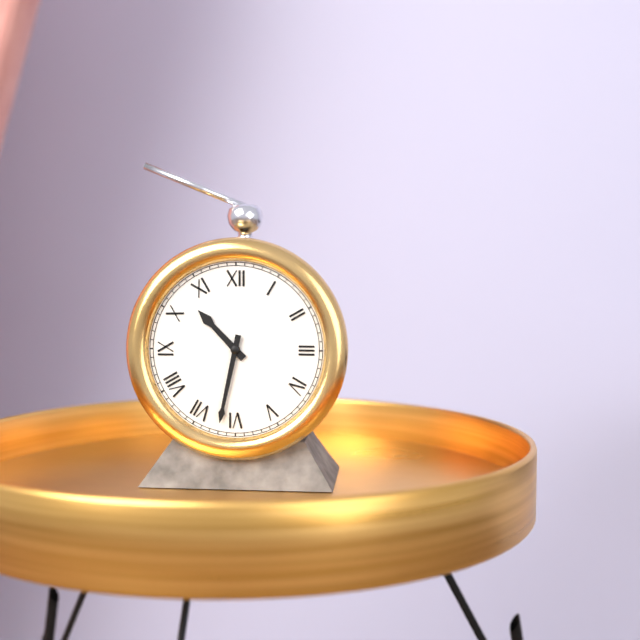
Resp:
10:32
